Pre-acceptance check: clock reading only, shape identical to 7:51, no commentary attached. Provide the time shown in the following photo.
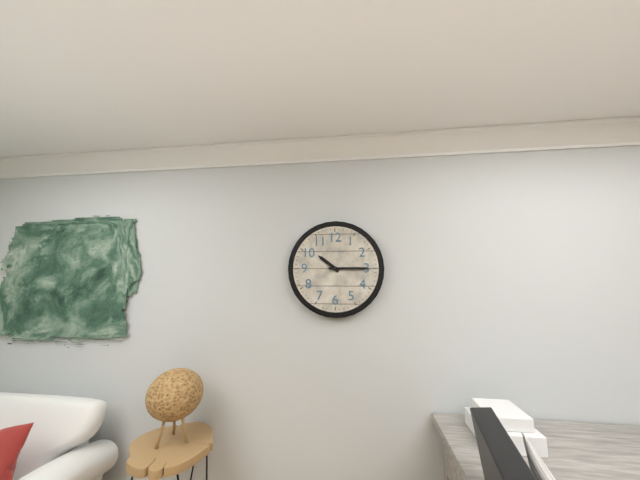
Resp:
10:15
